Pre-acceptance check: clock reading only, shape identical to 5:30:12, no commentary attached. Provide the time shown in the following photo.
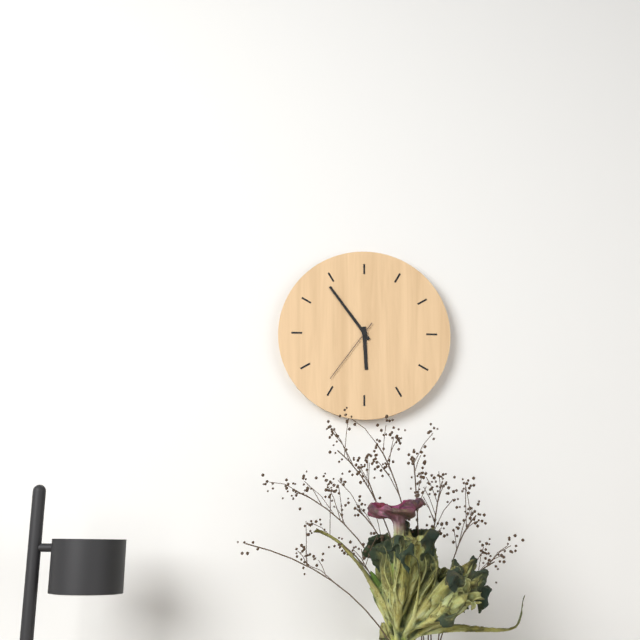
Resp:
5:54:36
